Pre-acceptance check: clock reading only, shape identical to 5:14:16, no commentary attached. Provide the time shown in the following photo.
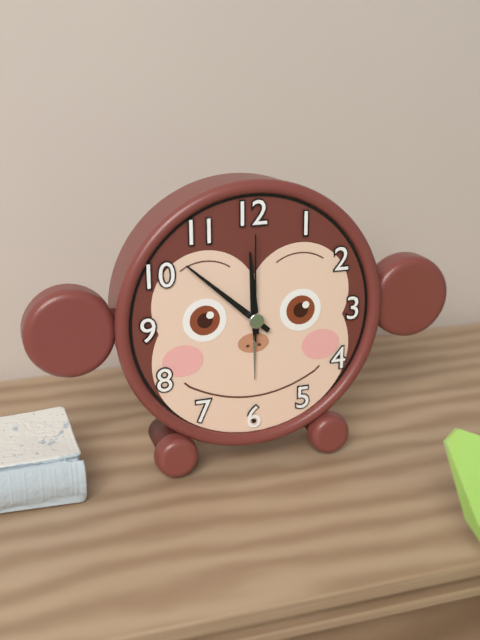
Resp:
11:52:00
